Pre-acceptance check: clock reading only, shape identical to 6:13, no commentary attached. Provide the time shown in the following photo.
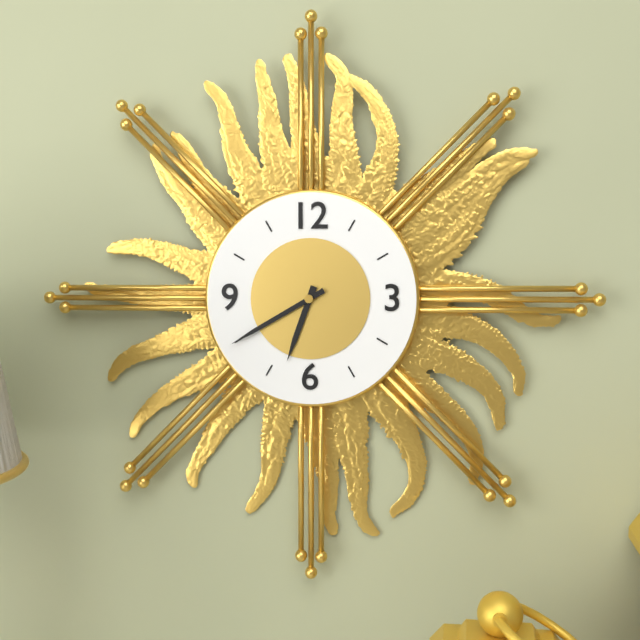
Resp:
6:40
